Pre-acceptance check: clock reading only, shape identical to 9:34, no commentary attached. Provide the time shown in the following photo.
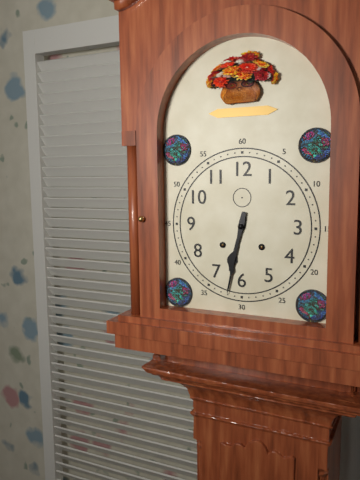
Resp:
6:32
